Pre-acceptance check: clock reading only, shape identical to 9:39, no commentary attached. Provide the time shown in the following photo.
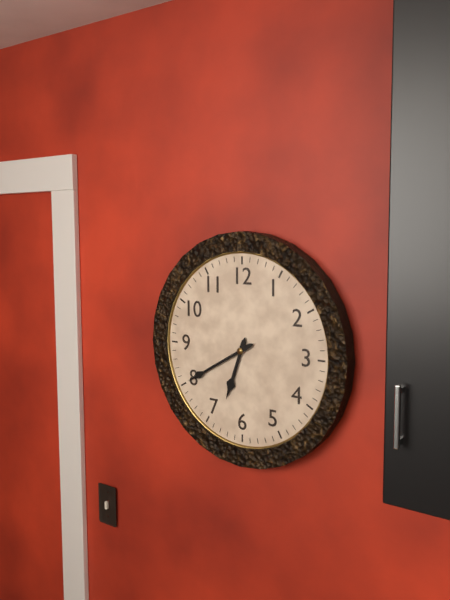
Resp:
6:40
